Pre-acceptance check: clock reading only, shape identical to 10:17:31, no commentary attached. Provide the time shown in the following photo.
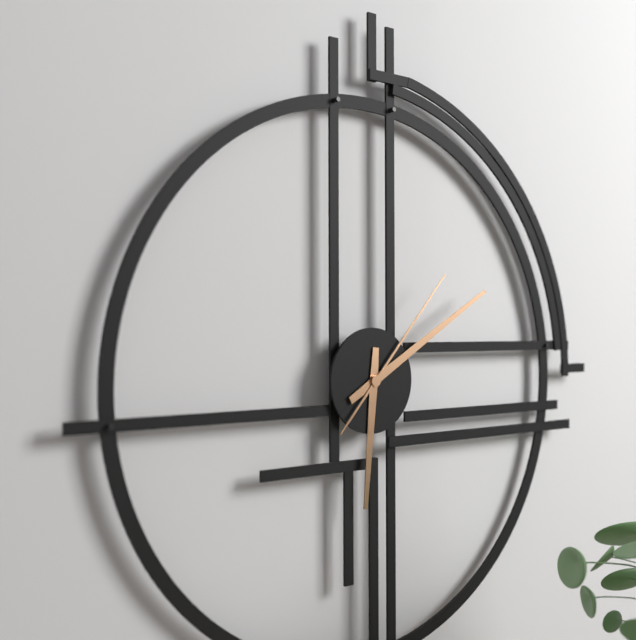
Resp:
6:10:07
